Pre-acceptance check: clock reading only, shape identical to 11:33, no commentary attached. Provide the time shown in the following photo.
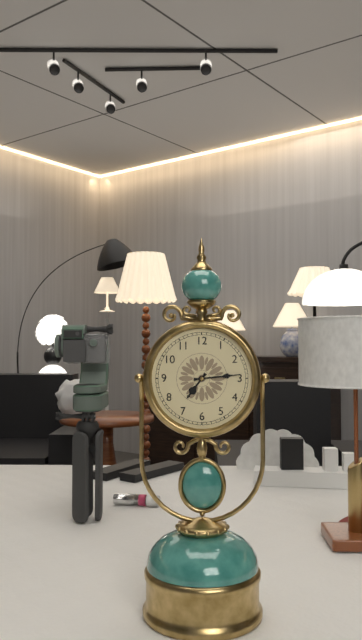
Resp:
7:14
